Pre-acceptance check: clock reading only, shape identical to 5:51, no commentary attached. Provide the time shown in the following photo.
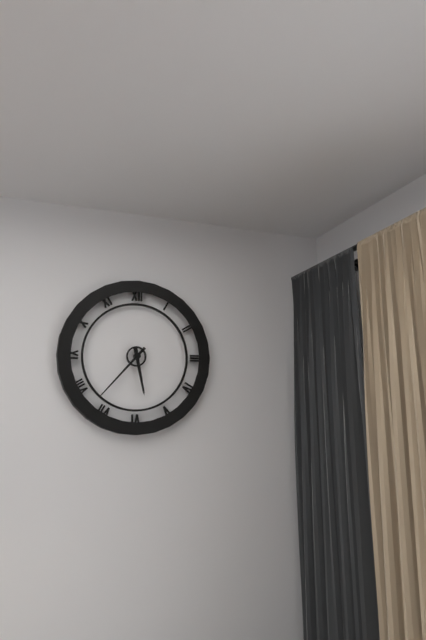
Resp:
5:37
